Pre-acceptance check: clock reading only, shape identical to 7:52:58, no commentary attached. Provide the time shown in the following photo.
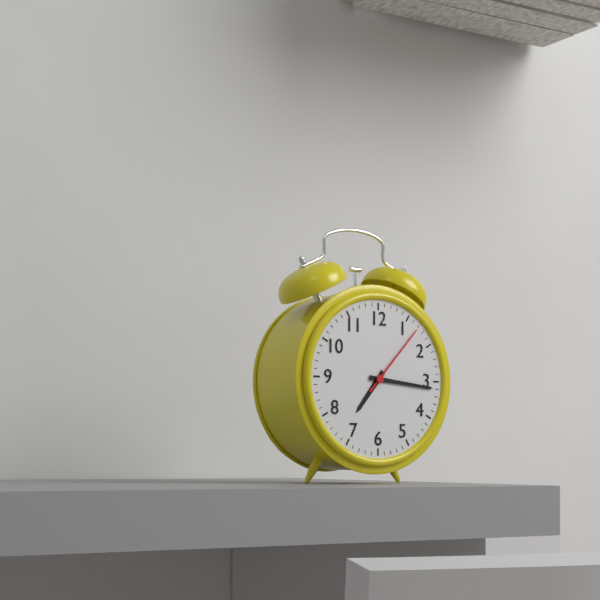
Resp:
7:16:07
